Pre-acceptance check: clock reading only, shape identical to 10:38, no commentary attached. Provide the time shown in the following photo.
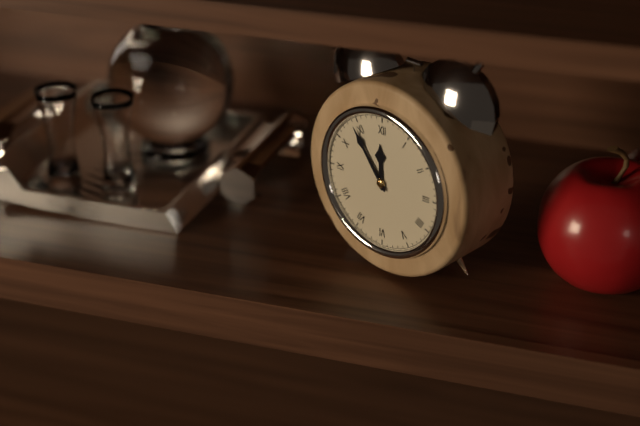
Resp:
11:54
